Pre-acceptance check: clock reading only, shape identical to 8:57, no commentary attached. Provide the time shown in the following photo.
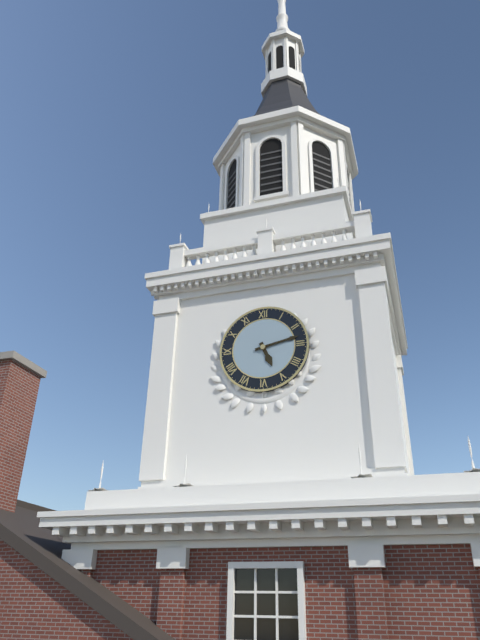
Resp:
5:13
